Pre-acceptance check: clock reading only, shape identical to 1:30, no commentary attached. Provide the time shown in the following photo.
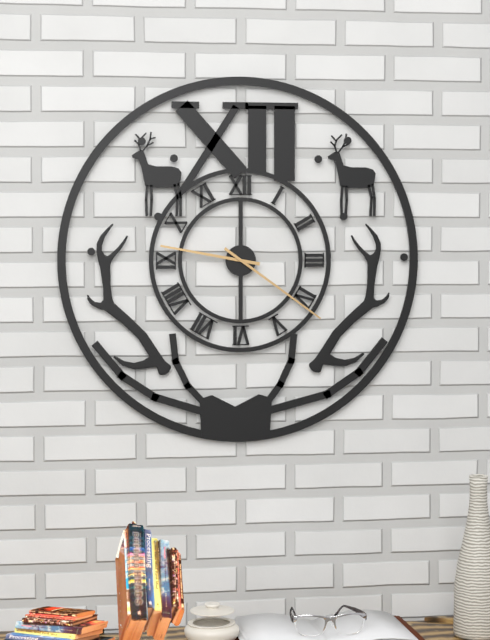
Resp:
9:21
